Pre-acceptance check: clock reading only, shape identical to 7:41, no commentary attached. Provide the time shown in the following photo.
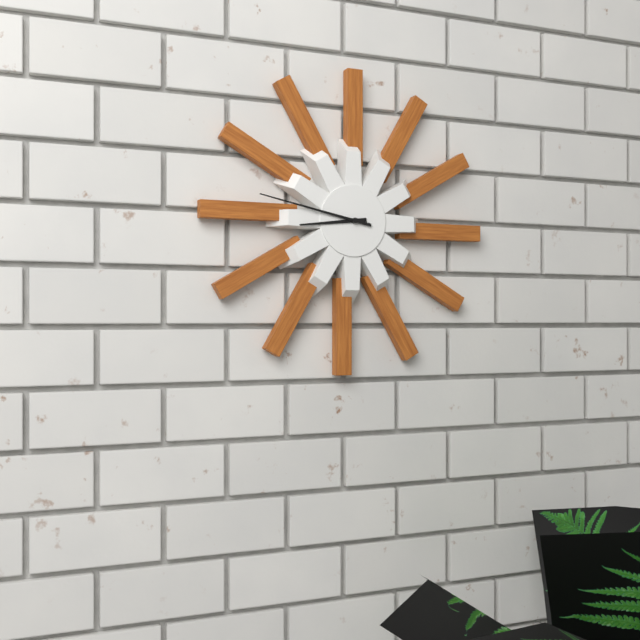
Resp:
8:47
